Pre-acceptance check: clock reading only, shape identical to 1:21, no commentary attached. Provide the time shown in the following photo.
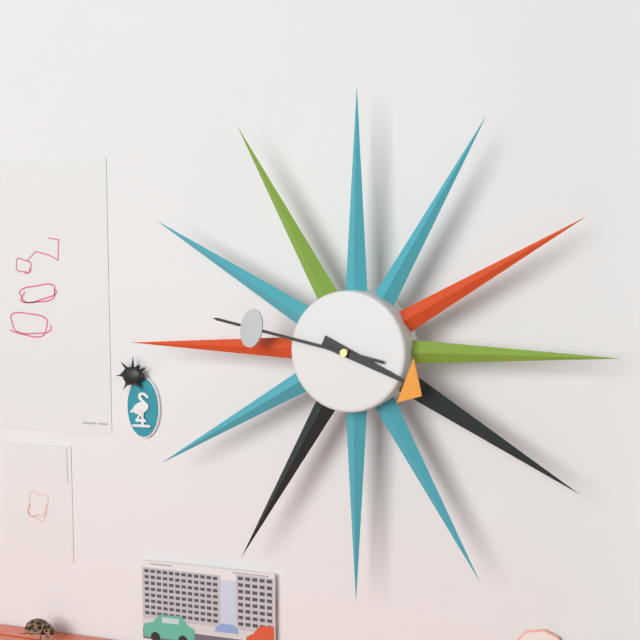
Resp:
3:47
